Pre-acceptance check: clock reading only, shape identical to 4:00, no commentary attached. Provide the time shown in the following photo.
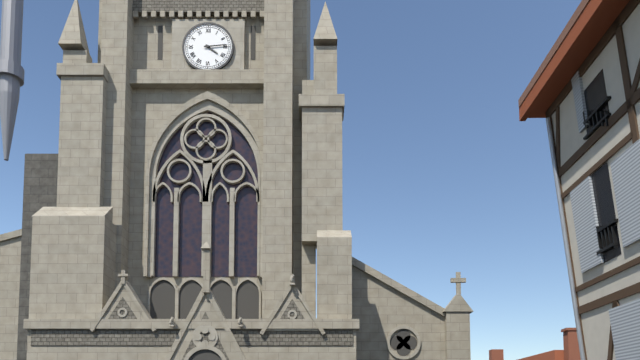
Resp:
4:14
